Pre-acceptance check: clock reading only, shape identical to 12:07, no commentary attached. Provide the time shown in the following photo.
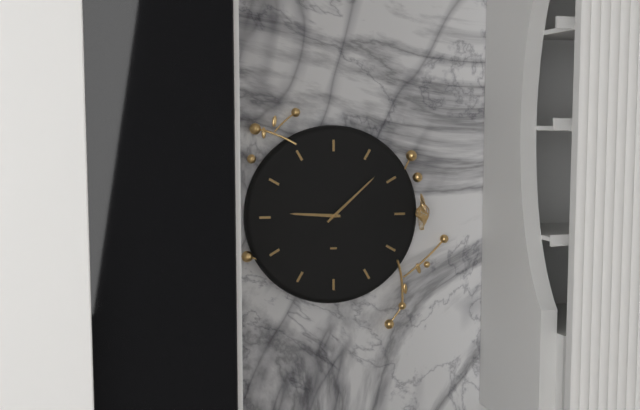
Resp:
9:08
